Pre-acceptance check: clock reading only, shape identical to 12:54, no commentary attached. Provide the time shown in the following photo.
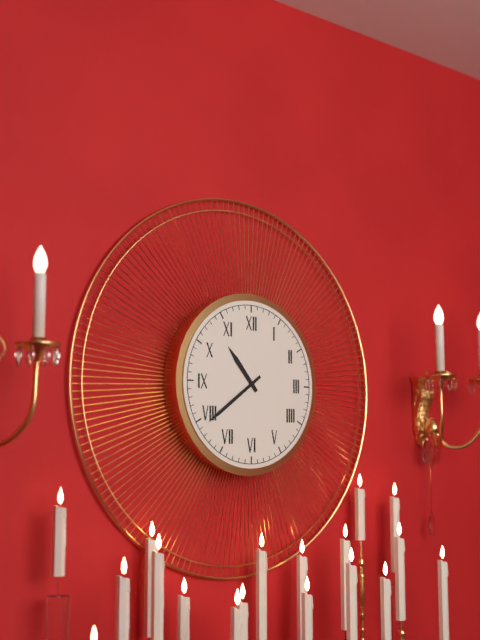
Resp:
10:39
